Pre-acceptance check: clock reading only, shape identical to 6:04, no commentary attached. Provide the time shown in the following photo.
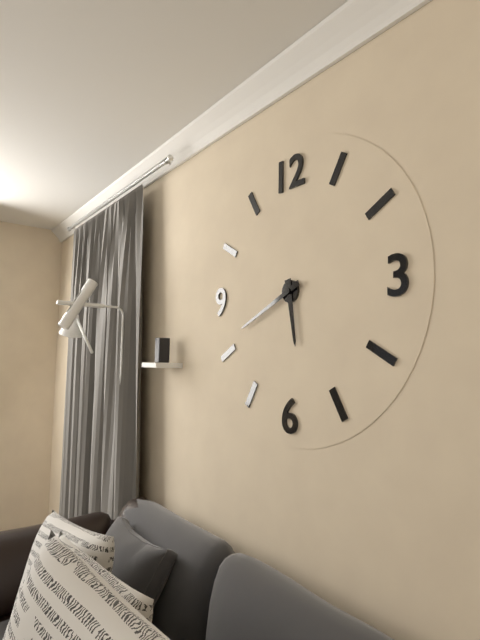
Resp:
5:41
